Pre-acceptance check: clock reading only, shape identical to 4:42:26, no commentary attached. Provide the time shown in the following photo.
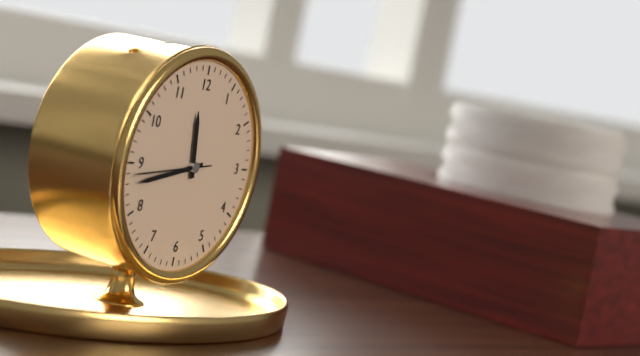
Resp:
11:43:44
